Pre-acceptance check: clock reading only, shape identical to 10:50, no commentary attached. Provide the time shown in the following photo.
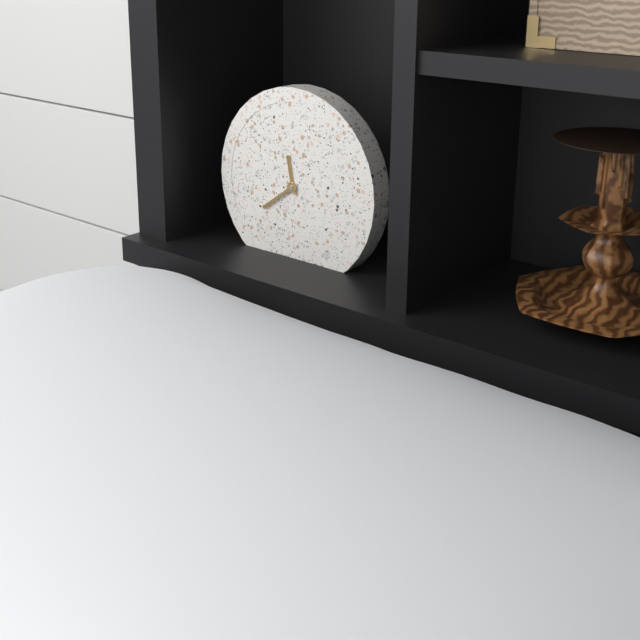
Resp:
11:39
